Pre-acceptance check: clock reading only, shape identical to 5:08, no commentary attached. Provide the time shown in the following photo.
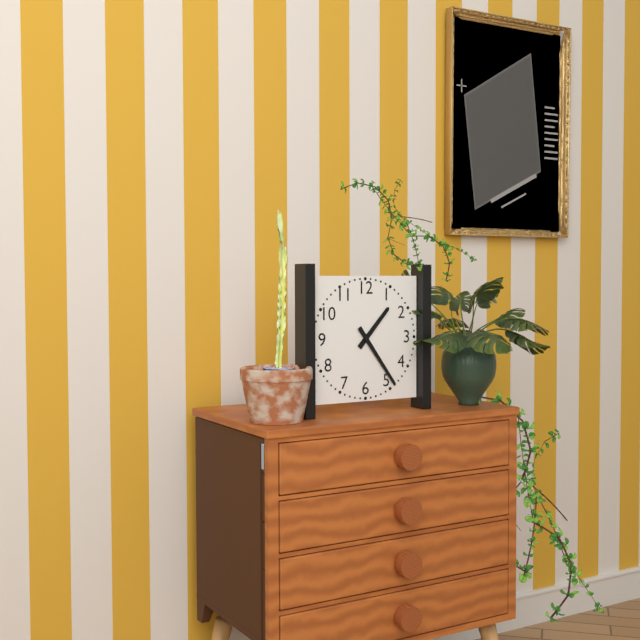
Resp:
1:24
